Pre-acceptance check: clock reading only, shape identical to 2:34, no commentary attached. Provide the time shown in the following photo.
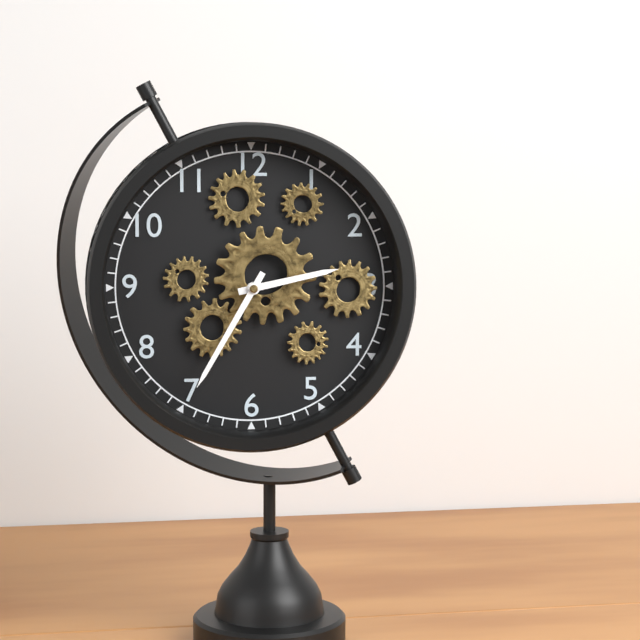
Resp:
2:35
